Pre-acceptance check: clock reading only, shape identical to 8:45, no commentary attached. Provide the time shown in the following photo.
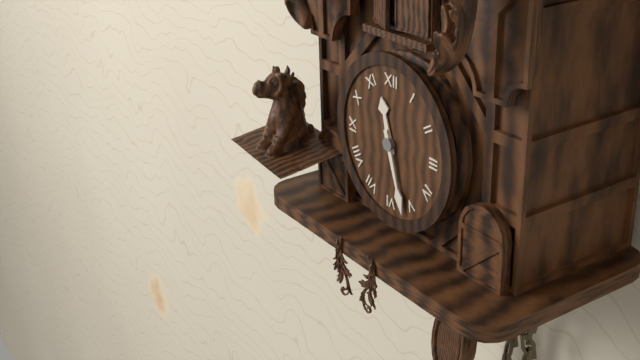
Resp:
11:27
